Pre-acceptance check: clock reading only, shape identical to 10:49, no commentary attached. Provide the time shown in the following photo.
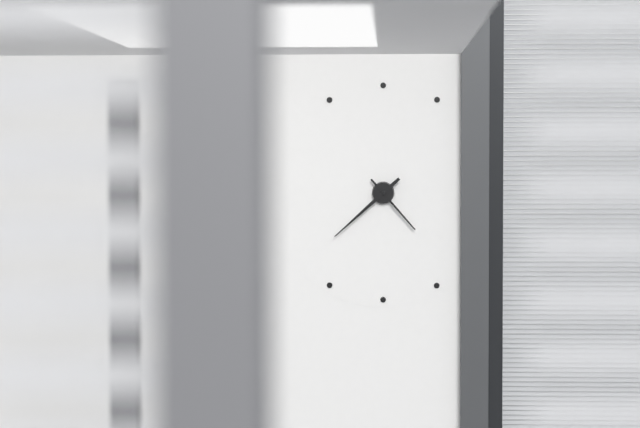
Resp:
4:38
